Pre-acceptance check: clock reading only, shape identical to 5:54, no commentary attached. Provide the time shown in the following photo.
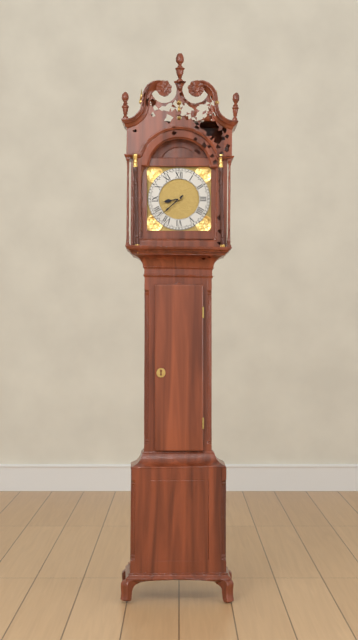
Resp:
8:38
